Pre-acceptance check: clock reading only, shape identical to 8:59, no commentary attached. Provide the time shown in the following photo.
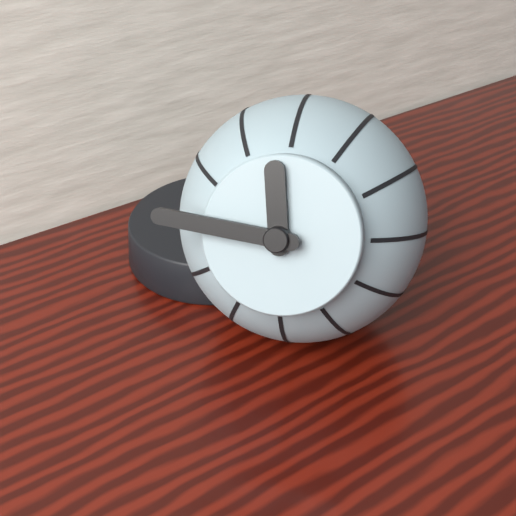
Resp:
11:46
